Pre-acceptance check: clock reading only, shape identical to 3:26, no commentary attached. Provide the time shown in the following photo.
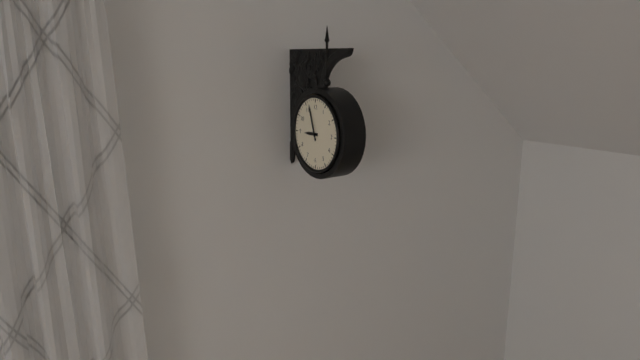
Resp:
8:57
